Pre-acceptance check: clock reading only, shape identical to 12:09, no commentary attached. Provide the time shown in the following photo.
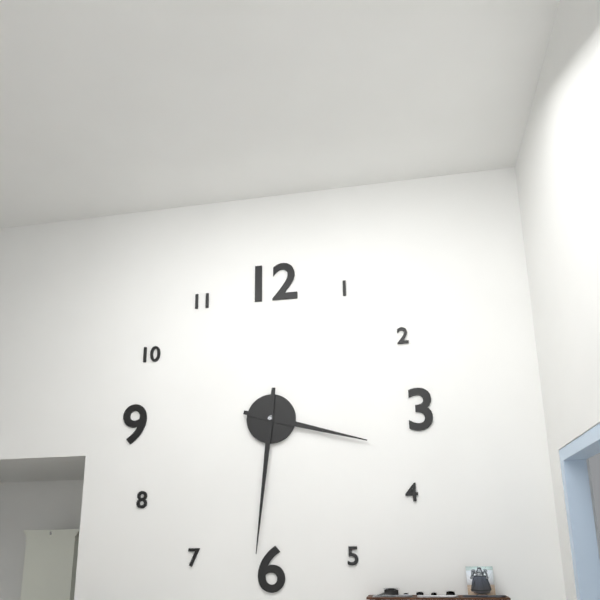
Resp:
3:31
